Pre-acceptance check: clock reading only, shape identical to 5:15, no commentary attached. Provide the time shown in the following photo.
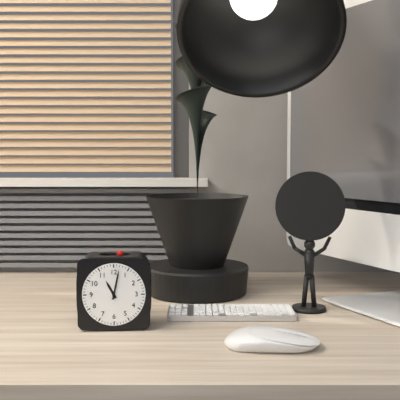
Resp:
11:02
